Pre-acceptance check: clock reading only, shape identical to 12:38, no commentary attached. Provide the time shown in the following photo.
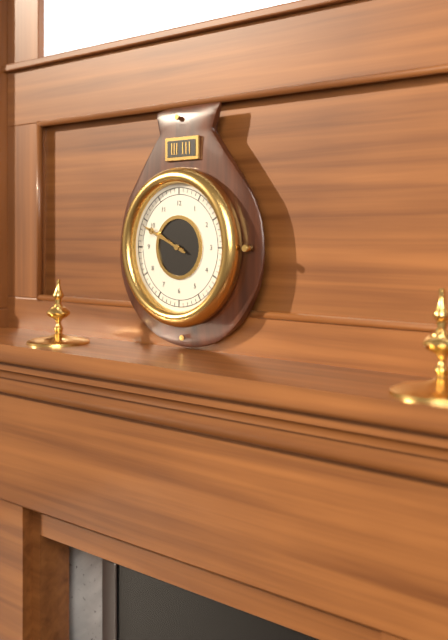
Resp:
9:49
